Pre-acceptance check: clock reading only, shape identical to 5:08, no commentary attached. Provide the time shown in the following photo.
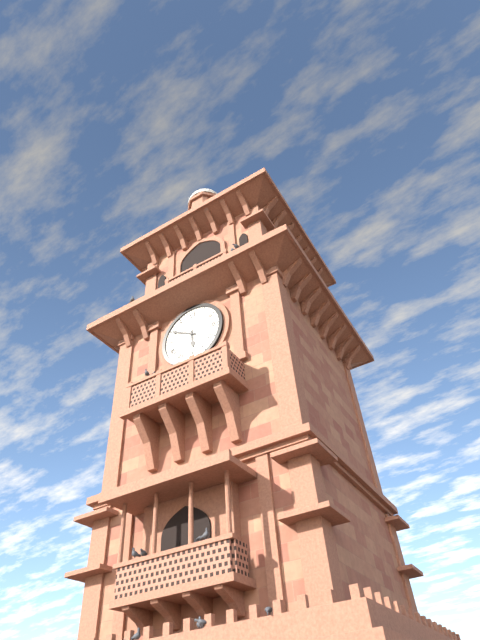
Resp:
5:50
